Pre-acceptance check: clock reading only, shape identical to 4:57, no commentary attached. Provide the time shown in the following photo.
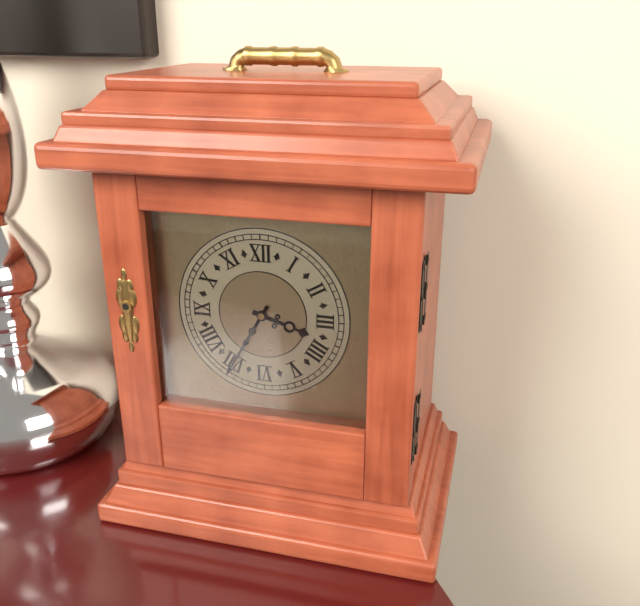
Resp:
3:35
